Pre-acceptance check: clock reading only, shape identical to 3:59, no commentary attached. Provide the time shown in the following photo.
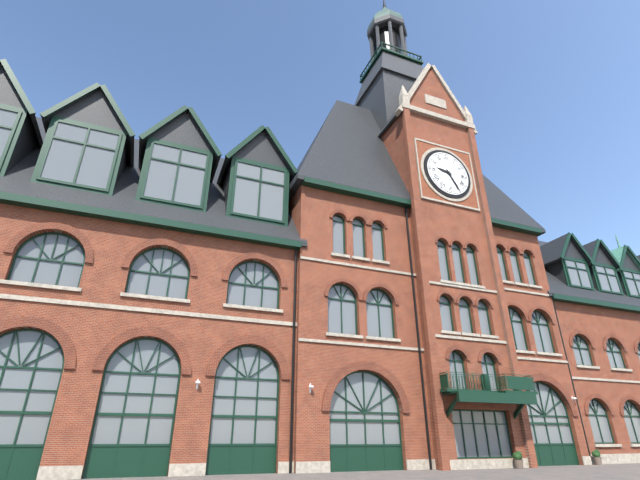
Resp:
9:25
